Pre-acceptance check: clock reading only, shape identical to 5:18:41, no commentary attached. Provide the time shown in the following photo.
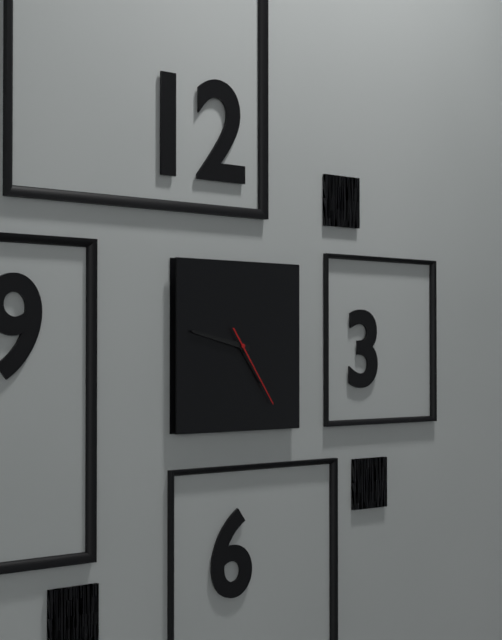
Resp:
4:47:24
